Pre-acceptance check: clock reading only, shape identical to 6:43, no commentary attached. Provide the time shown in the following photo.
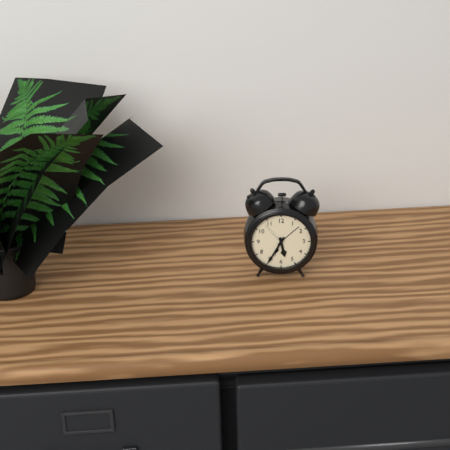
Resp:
5:35
